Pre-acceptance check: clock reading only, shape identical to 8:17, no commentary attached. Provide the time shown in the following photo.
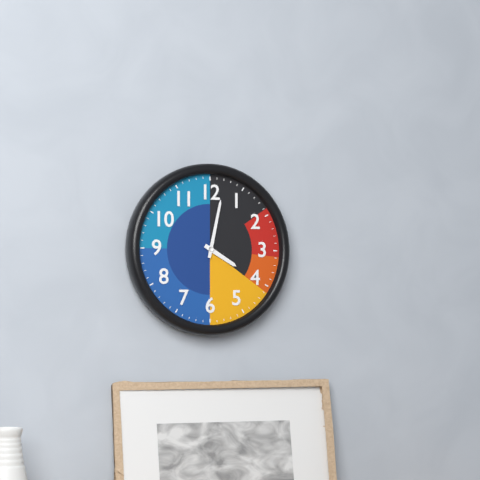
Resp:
4:02
